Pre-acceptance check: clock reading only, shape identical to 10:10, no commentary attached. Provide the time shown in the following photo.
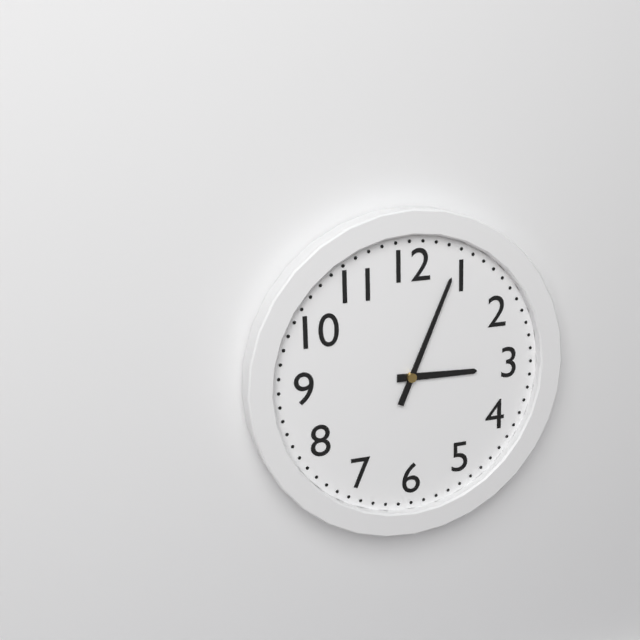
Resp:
3:04
